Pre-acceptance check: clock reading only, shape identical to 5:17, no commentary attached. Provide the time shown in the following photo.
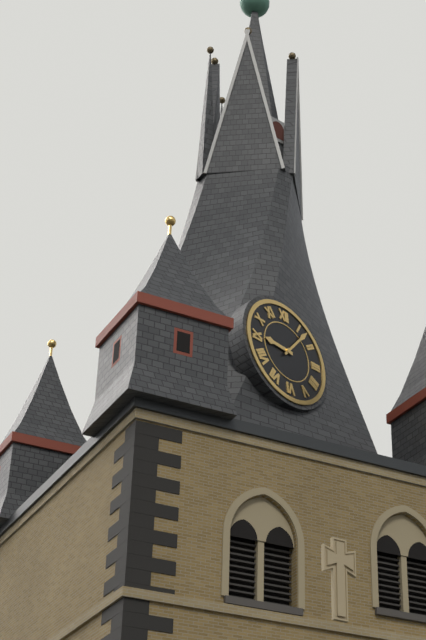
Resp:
9:07
